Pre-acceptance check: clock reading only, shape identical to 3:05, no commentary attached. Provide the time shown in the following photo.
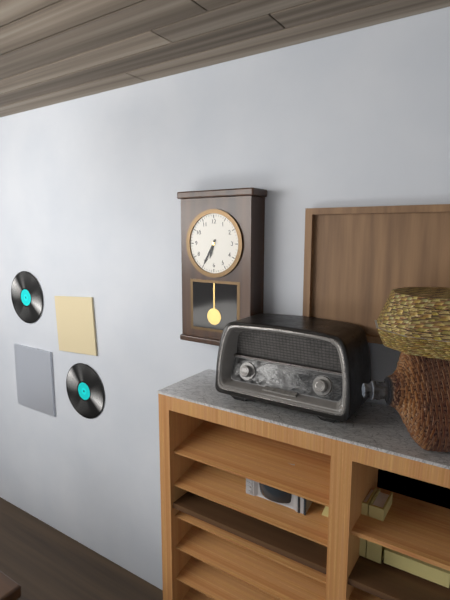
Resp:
6:35
